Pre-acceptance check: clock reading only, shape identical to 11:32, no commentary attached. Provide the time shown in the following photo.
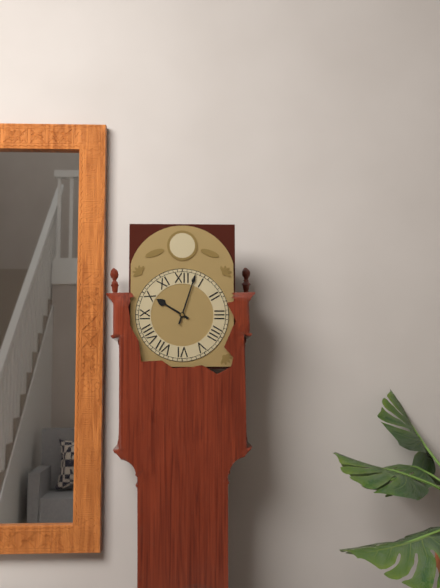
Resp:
10:03
